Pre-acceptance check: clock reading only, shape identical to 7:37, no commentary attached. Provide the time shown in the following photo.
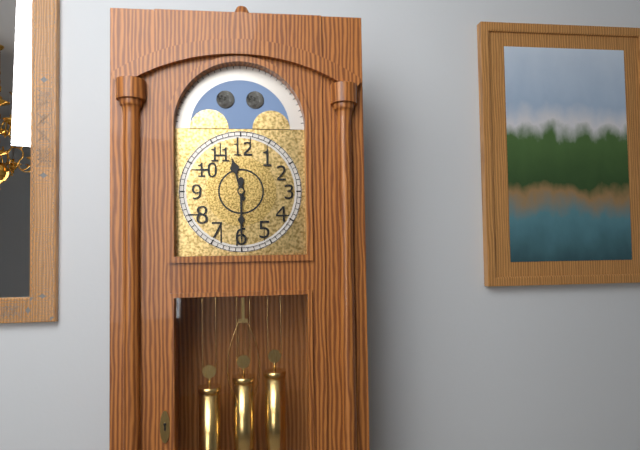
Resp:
11:30
